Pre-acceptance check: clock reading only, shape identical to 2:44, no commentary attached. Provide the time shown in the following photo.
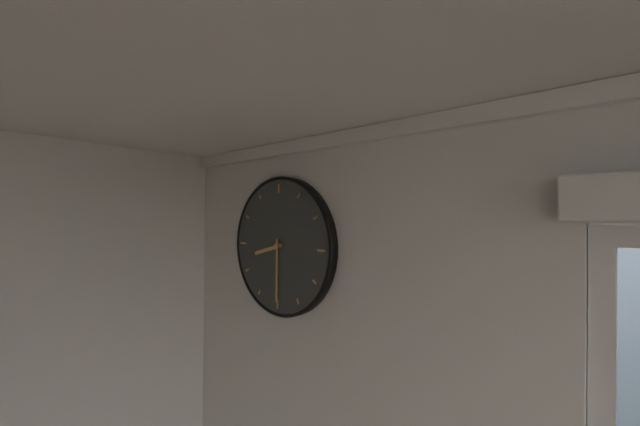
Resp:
8:30
